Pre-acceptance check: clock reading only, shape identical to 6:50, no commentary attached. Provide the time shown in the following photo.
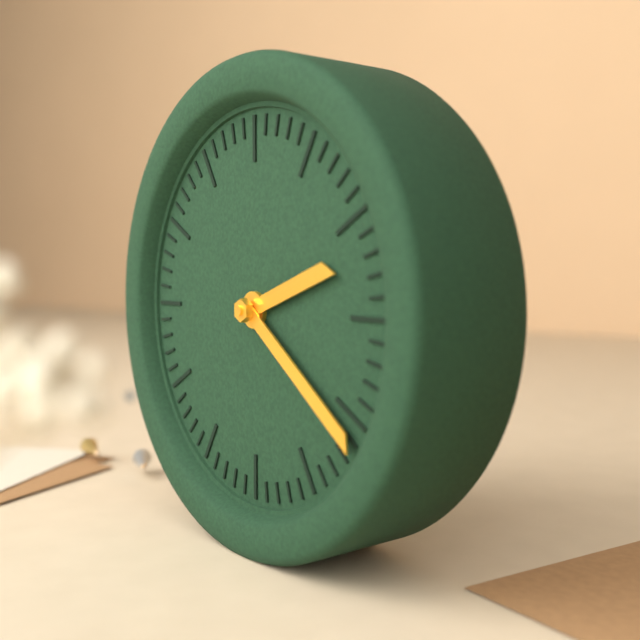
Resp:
2:21
